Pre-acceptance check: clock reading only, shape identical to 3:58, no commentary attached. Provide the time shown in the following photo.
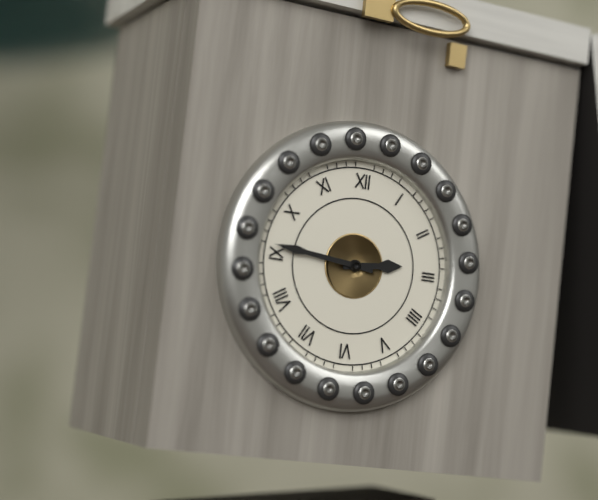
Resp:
2:46
